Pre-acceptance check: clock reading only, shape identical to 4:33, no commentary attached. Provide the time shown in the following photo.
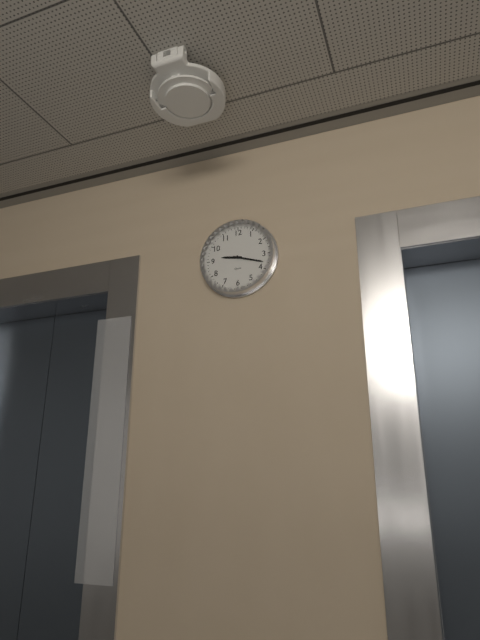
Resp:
9:18
